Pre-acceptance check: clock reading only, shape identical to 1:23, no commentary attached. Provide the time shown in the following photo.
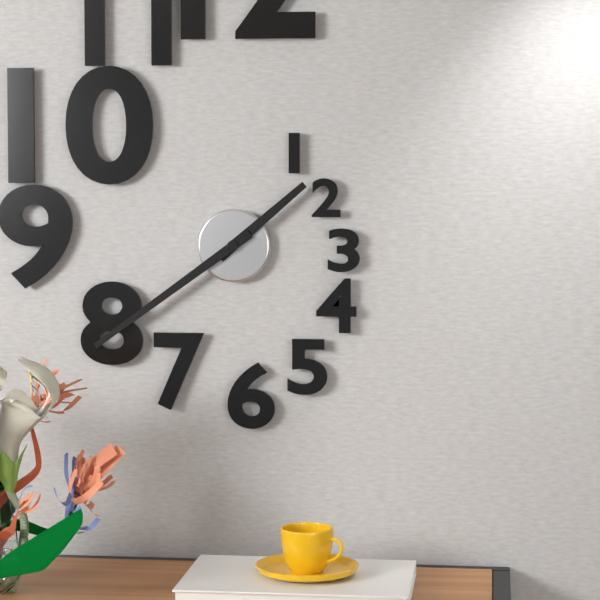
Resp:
1:39
